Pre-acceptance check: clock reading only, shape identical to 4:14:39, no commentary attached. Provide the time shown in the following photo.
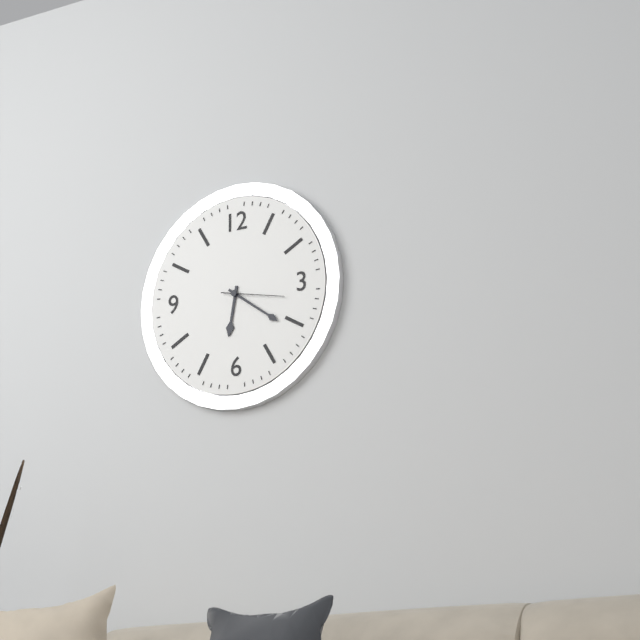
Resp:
6:21:17
